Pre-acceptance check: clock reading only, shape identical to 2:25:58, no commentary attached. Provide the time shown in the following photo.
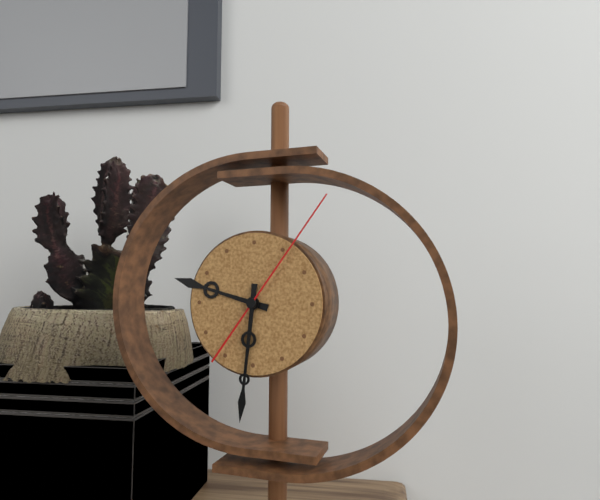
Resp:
9:31:06
